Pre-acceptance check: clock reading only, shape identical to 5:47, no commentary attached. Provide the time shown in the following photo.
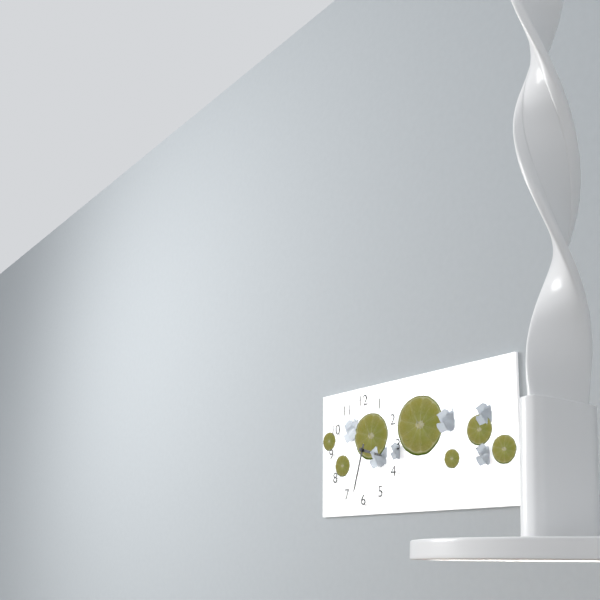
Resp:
3:33
